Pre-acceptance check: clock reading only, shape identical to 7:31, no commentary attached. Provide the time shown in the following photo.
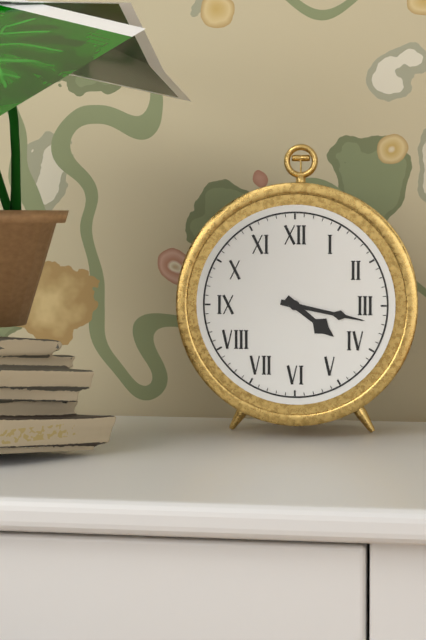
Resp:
4:17
